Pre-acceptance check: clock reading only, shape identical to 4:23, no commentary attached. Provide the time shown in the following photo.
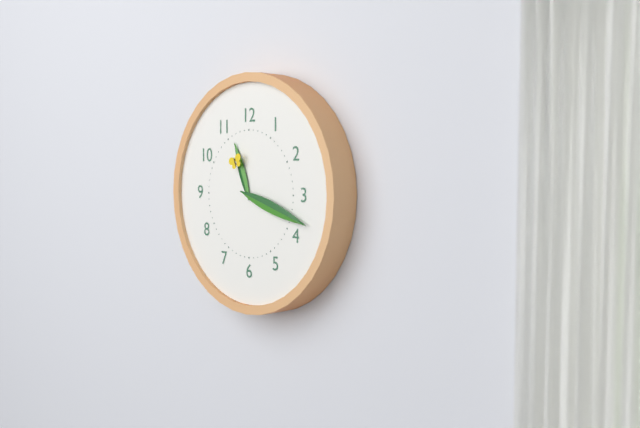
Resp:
11:18
